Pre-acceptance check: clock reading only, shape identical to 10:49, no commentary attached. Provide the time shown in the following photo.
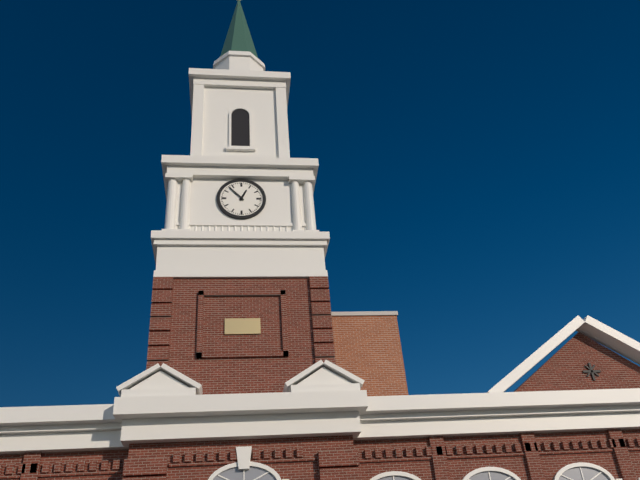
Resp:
12:53
